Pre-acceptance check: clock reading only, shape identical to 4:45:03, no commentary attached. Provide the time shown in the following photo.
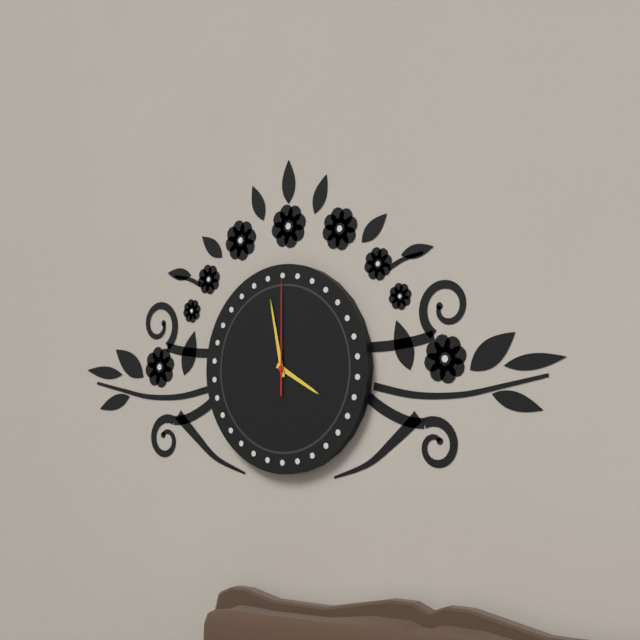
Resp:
3:58:00
